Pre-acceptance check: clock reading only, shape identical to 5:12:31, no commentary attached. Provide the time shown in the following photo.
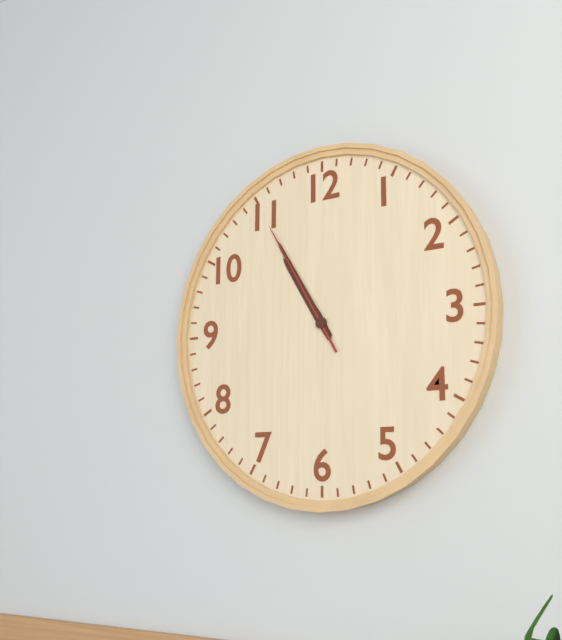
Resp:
10:55:55
